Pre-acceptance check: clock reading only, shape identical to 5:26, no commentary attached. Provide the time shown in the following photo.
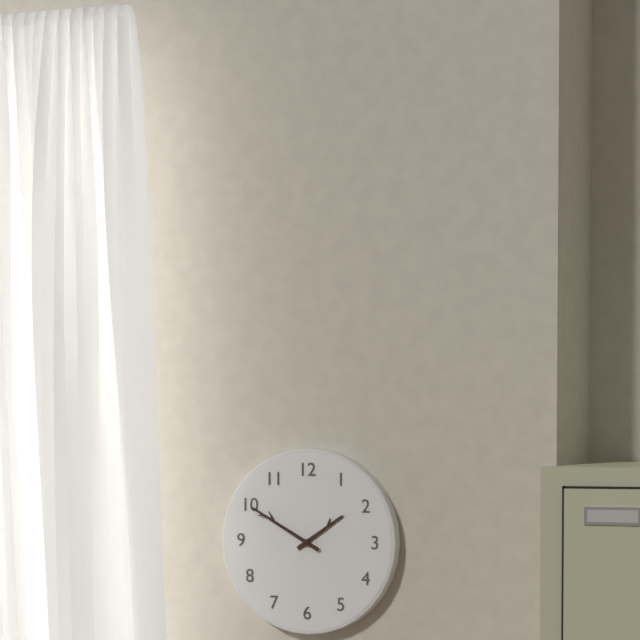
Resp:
1:50
